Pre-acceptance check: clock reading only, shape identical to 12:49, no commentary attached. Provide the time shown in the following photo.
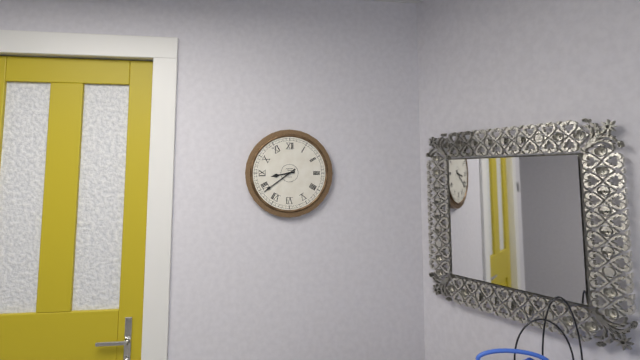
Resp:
8:39
